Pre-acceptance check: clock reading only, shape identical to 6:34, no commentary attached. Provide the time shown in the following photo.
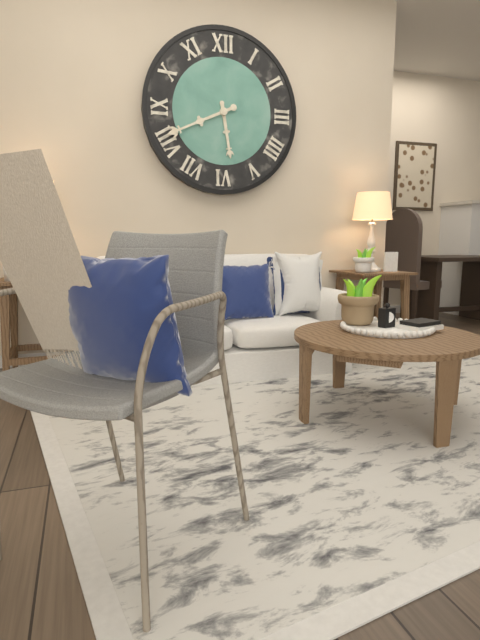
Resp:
5:41
